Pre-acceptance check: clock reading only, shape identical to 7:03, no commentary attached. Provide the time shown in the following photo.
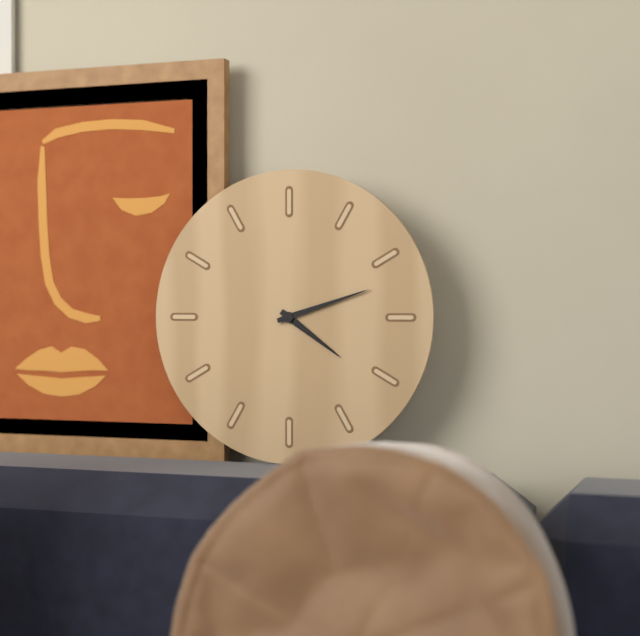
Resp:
4:12
